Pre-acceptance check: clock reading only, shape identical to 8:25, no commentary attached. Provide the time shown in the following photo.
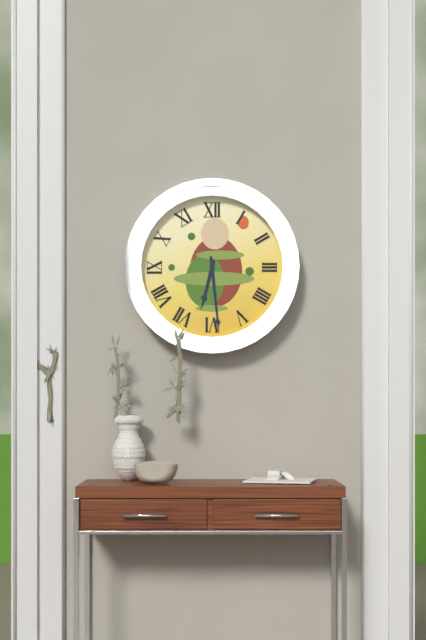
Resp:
6:29
